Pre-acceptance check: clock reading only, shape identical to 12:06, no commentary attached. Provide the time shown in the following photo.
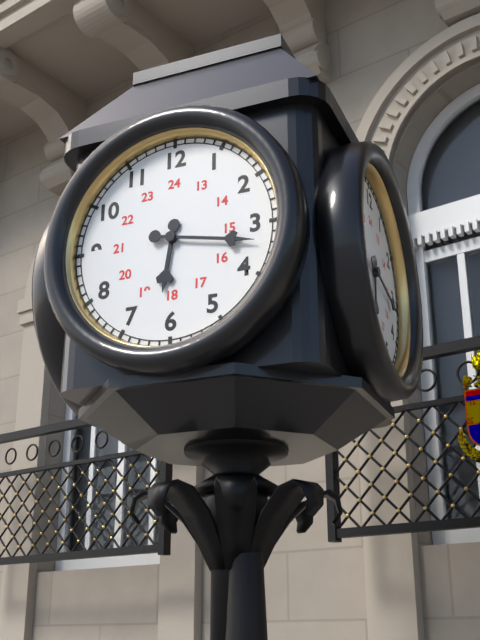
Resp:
6:17
